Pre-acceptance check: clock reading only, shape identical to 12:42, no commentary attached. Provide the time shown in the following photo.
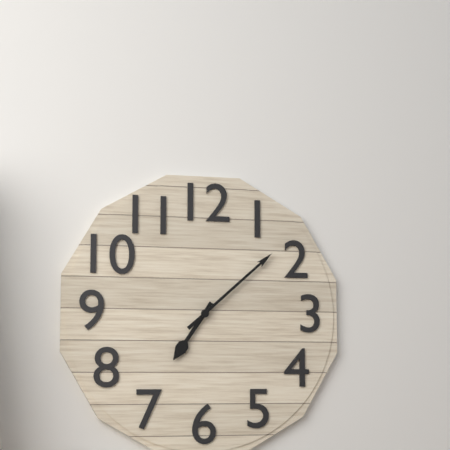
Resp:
7:08
